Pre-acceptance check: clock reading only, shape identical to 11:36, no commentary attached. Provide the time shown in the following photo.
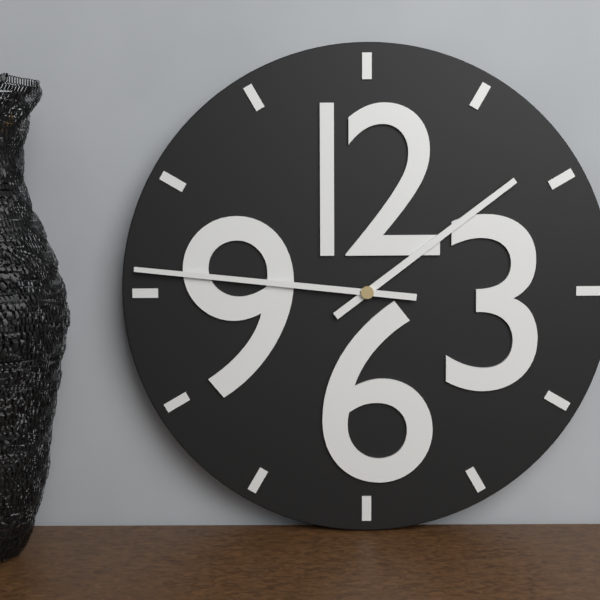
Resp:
1:46
